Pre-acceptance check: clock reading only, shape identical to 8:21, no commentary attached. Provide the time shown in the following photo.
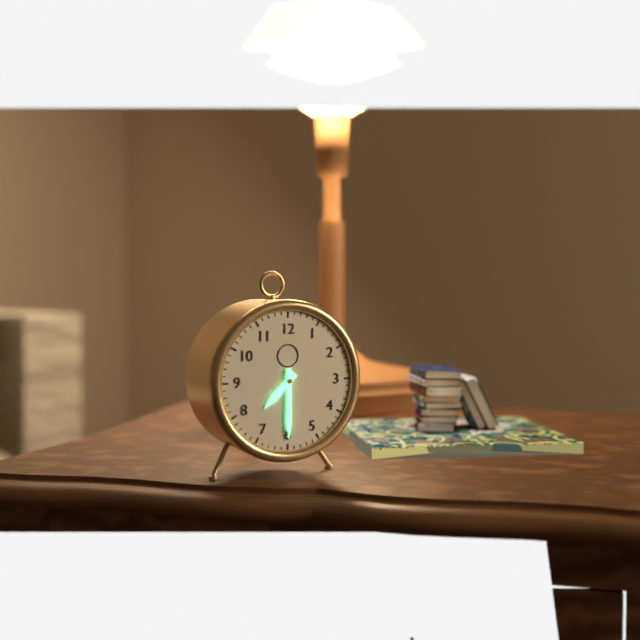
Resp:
7:30
